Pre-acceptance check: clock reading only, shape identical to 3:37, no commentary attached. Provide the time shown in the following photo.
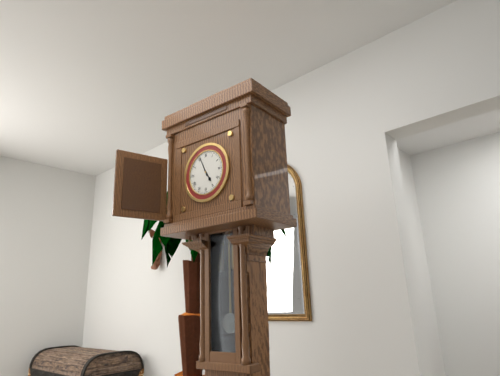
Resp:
4:56
